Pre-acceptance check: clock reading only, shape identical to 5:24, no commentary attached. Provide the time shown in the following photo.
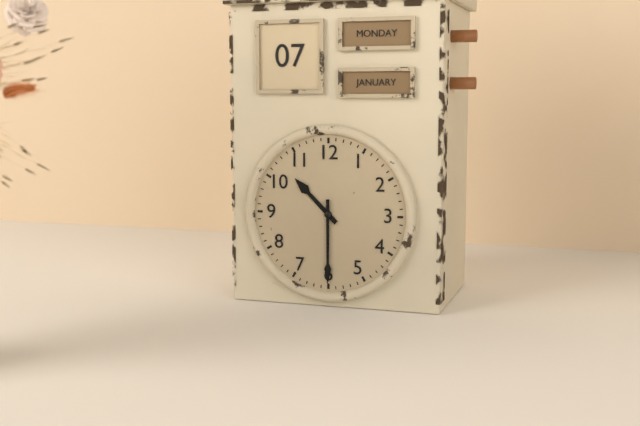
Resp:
10:30
